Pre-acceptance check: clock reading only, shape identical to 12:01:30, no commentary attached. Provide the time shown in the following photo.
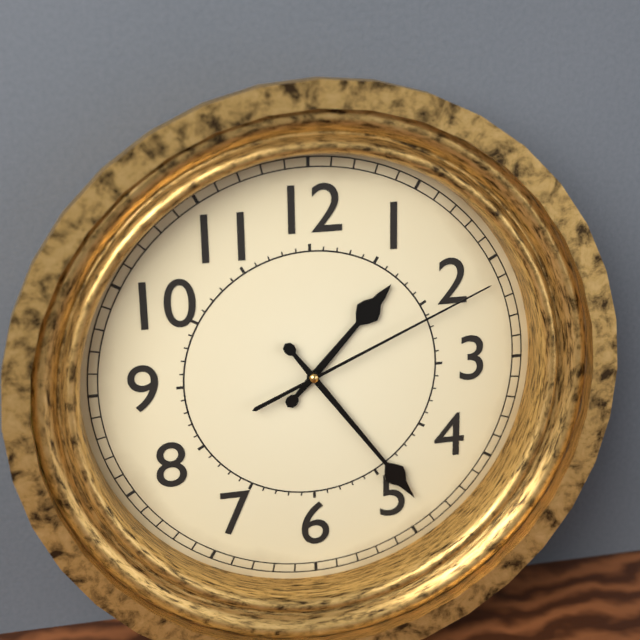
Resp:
1:24:11
